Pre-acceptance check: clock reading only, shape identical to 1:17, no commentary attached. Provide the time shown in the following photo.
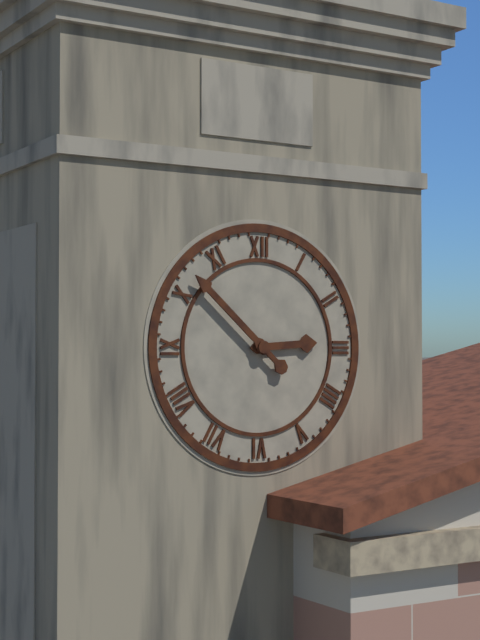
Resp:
2:52
